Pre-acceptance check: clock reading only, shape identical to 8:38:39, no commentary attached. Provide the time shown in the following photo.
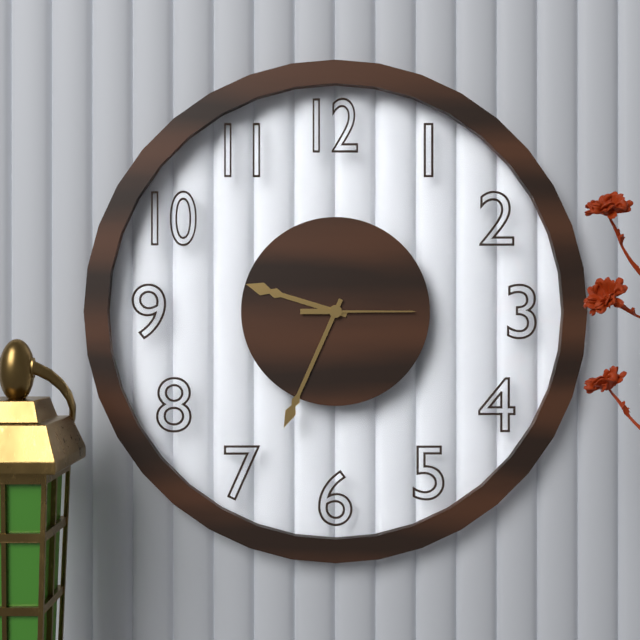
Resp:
9:34:15
